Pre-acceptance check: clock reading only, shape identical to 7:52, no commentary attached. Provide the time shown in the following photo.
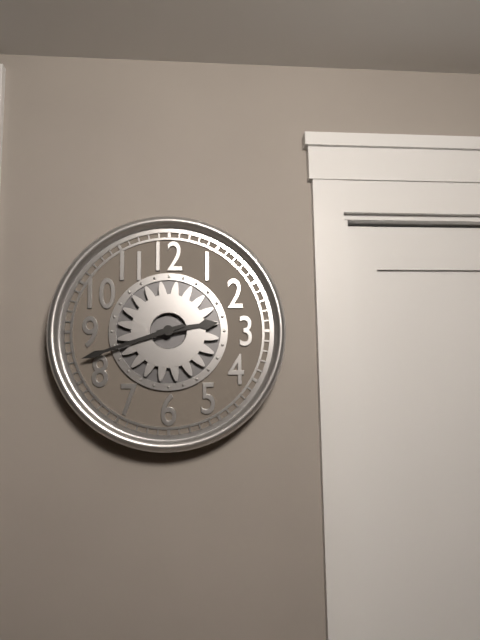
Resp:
2:42
